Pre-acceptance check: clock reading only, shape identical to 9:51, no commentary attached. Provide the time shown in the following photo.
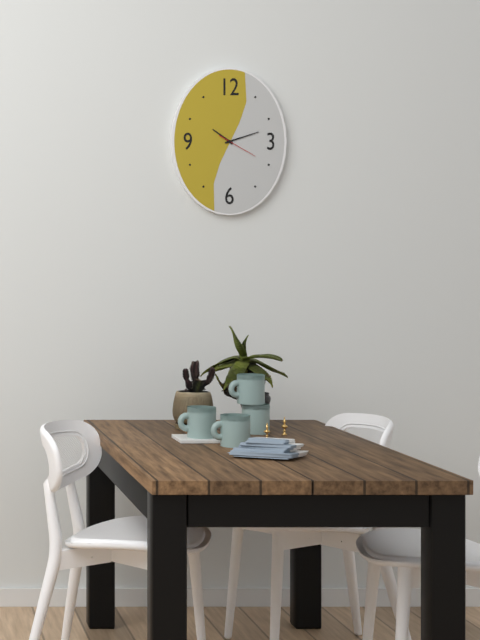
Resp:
10:12
